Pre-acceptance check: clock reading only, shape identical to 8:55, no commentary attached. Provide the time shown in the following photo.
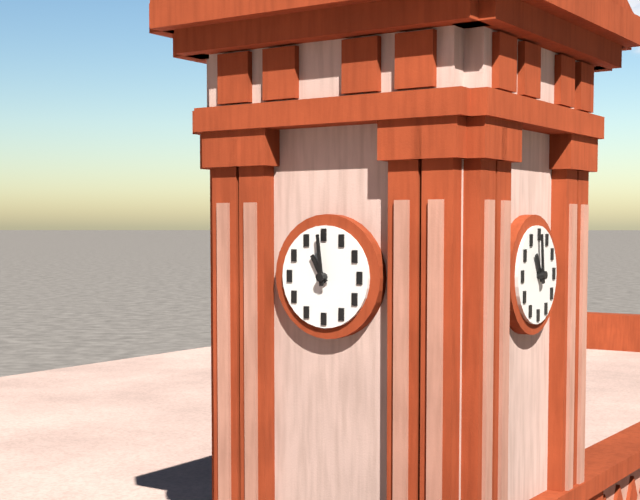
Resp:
10:59
